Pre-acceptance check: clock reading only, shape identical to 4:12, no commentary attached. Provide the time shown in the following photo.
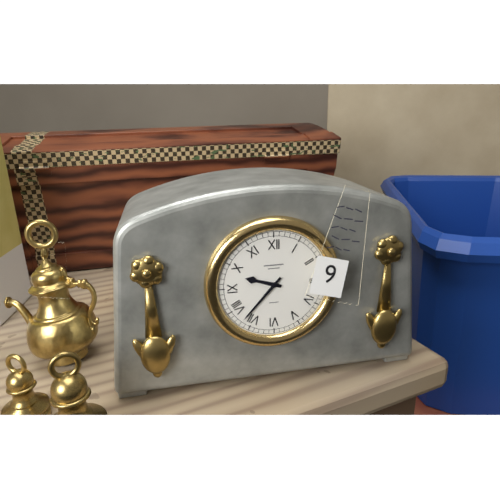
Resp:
9:37
